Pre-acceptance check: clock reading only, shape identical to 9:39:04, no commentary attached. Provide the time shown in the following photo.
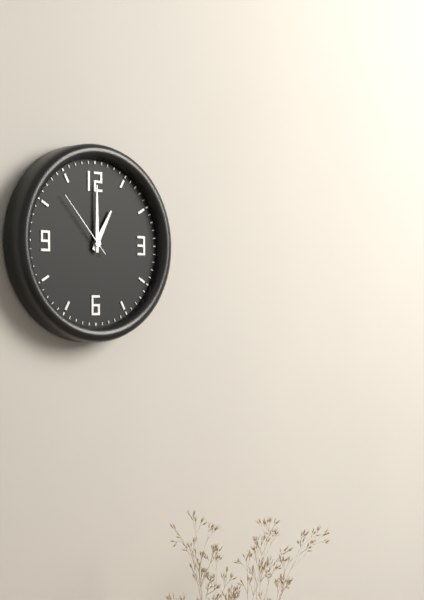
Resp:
1:00:53
